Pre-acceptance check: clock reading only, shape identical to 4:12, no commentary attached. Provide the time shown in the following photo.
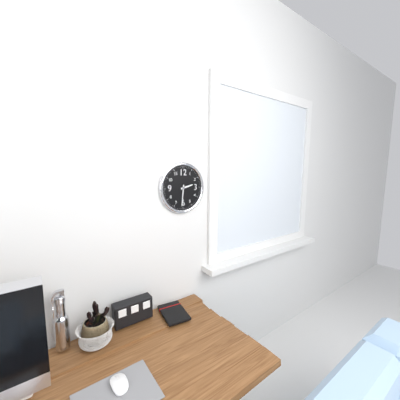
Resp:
2:31
